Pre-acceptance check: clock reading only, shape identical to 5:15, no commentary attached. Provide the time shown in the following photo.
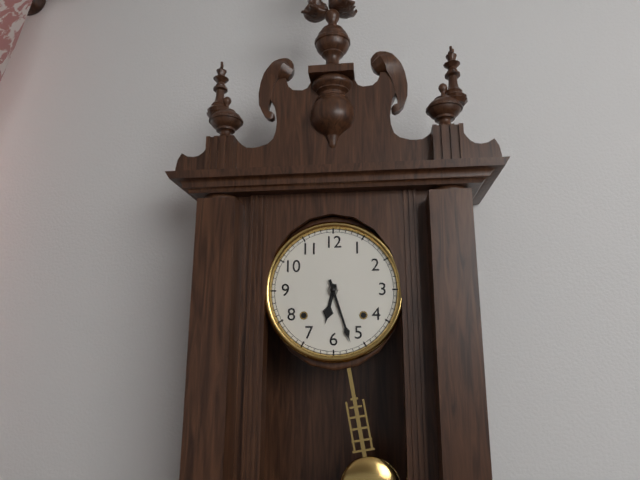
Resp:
6:27
